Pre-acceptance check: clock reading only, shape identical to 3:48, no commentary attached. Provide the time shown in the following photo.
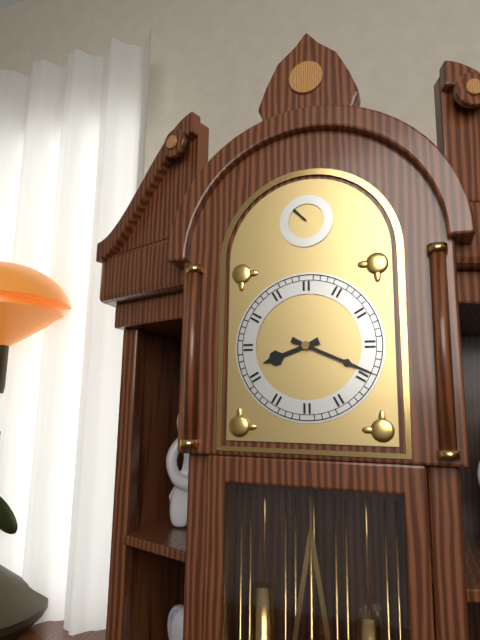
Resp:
8:19
